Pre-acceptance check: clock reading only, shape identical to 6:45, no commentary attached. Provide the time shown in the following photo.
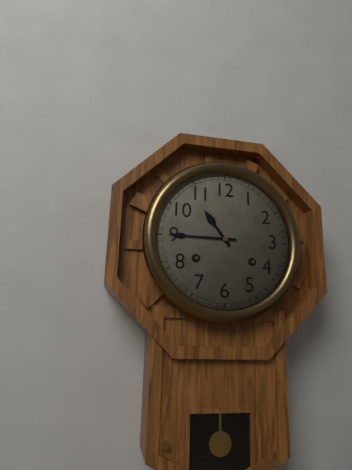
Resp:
10:45
